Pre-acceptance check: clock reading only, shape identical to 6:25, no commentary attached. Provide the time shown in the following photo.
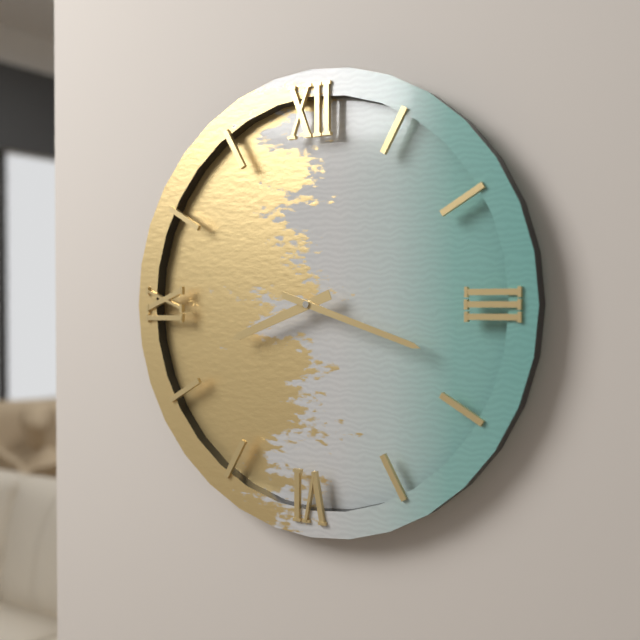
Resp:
8:18
